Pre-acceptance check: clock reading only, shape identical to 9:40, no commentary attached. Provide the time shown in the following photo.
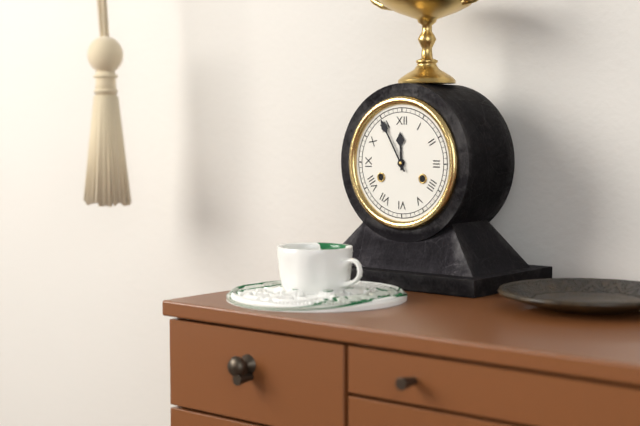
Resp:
11:55
